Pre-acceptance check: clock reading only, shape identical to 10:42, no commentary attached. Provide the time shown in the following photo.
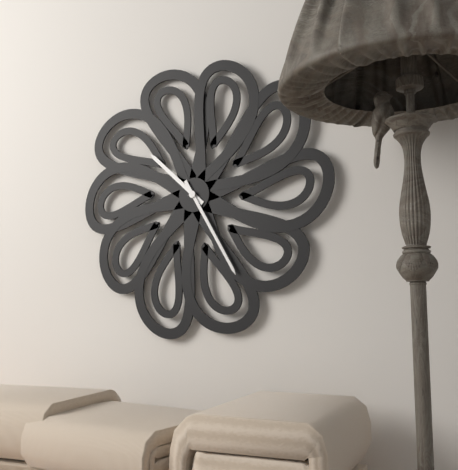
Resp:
10:25
